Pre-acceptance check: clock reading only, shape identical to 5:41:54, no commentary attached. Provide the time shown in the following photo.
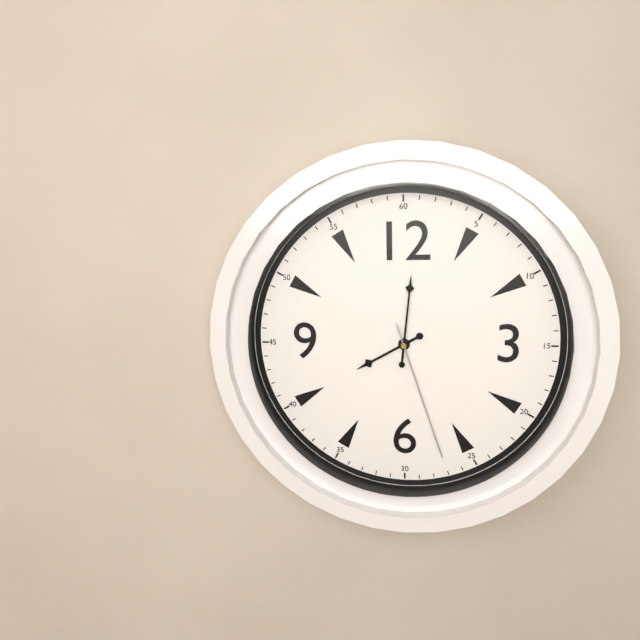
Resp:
8:01:27
